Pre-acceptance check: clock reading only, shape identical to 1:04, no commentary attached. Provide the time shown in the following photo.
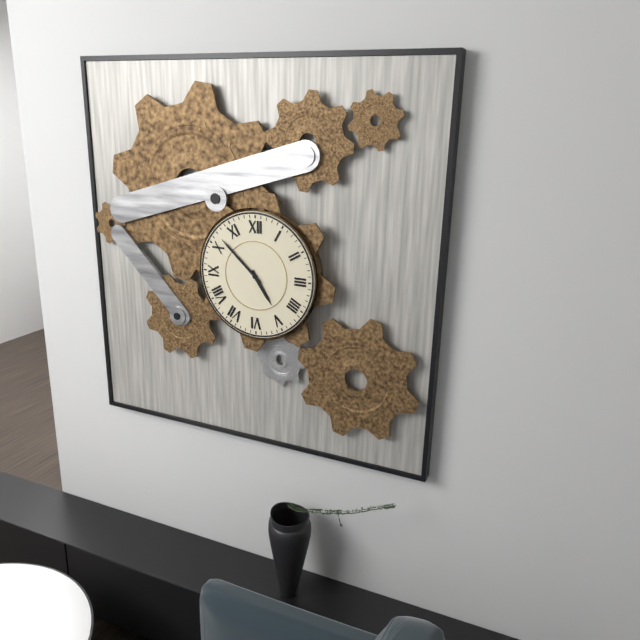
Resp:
4:52
